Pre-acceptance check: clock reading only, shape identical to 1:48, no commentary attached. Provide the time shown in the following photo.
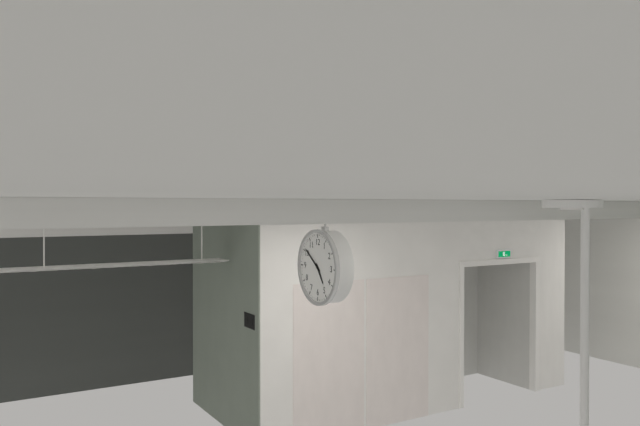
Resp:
4:51
